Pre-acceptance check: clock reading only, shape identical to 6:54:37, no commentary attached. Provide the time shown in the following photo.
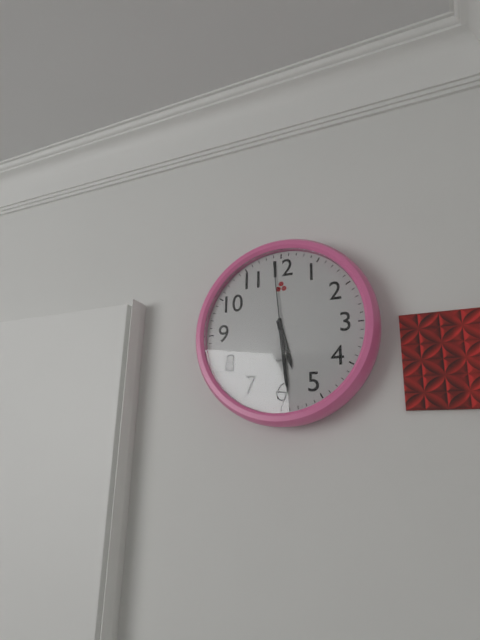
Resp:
5:29:59
